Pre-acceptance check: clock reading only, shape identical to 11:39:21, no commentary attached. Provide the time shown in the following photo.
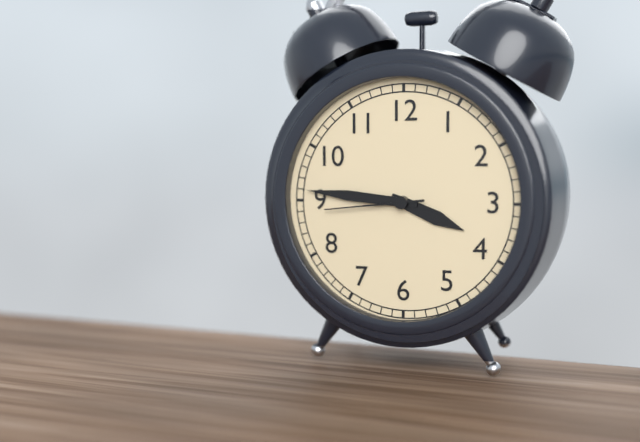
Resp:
3:46:44
